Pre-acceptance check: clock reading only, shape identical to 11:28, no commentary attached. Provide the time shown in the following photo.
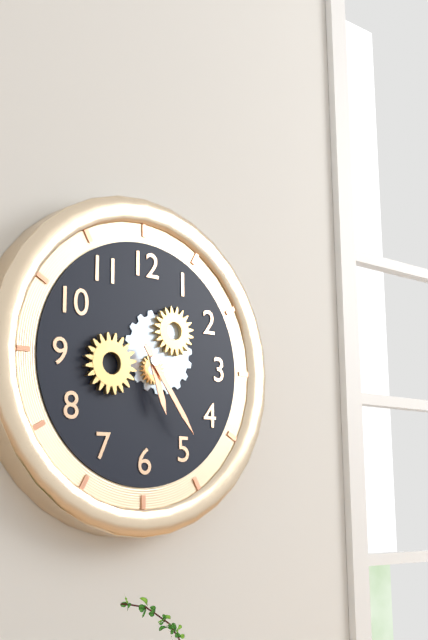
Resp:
5:24
